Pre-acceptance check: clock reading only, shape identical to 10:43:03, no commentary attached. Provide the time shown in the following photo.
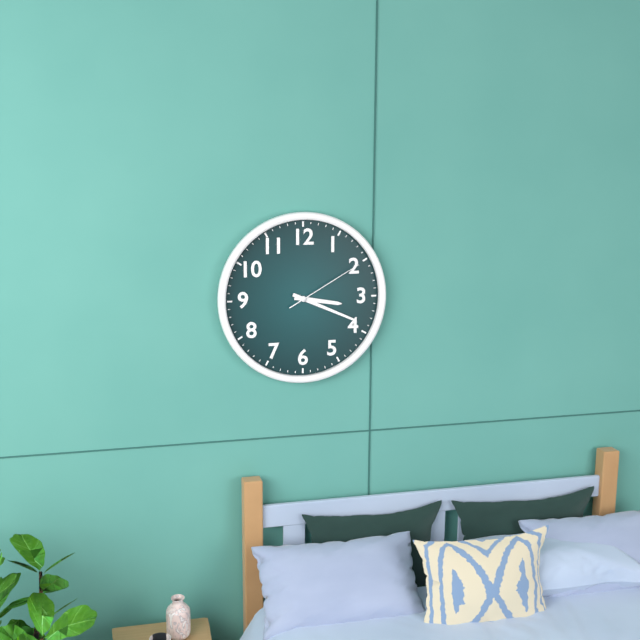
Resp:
3:19:10
